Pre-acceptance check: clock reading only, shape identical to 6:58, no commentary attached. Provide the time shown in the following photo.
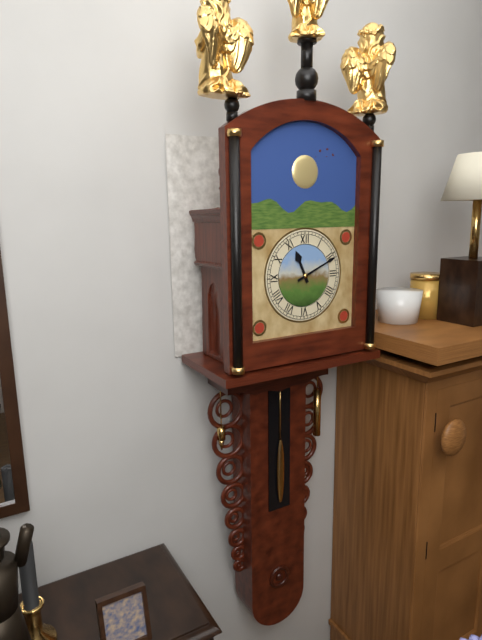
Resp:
11:11
